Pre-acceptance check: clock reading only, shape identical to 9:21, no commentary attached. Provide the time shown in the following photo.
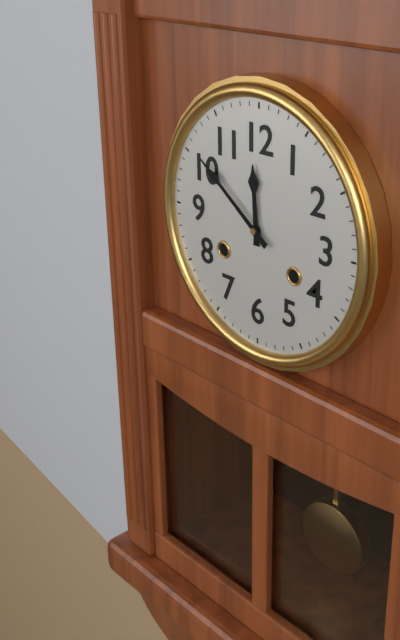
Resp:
11:51
